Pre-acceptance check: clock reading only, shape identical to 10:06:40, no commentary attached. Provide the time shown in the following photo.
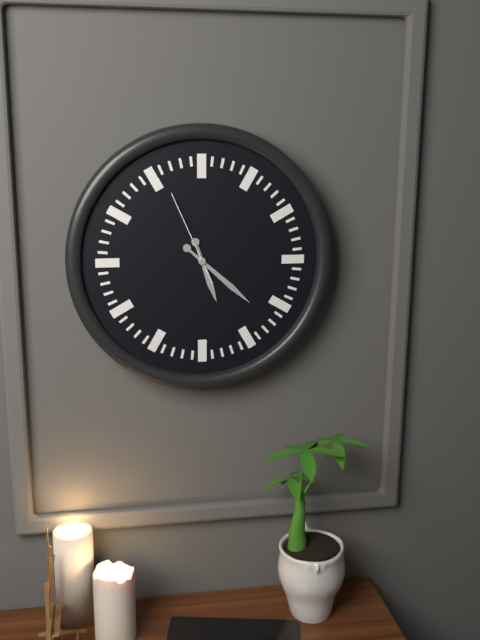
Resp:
5:22:56
